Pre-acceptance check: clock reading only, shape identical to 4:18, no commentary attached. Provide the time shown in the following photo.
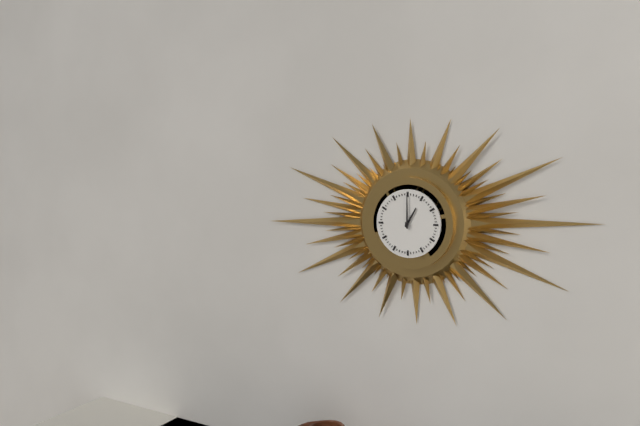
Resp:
1:00
